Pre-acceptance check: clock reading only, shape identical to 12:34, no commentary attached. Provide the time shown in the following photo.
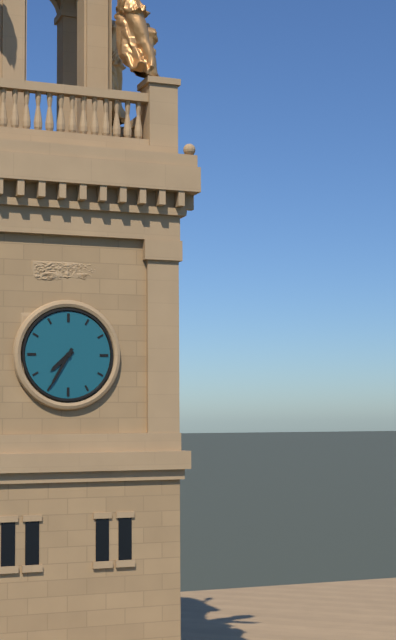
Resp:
7:35
